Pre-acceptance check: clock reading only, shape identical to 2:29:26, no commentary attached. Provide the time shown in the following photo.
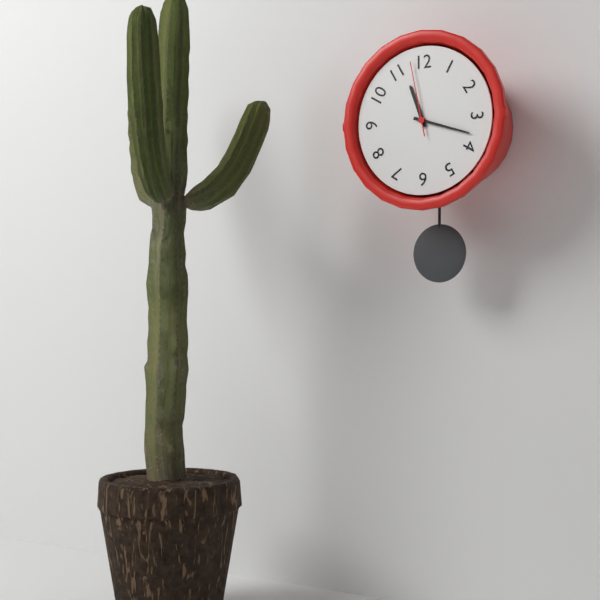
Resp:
11:18:58
